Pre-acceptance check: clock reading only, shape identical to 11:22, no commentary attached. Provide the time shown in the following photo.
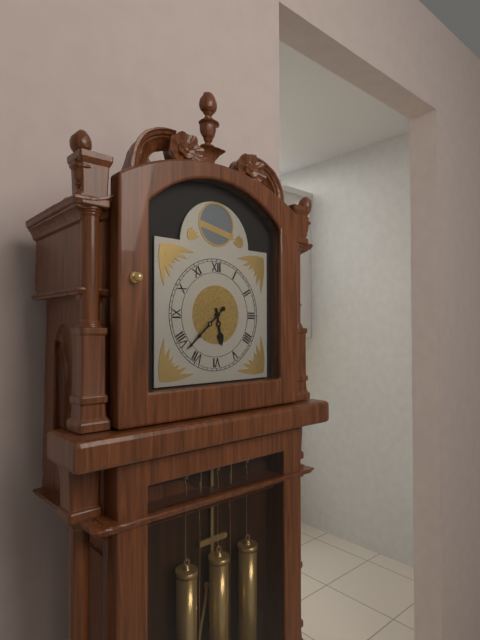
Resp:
5:38
